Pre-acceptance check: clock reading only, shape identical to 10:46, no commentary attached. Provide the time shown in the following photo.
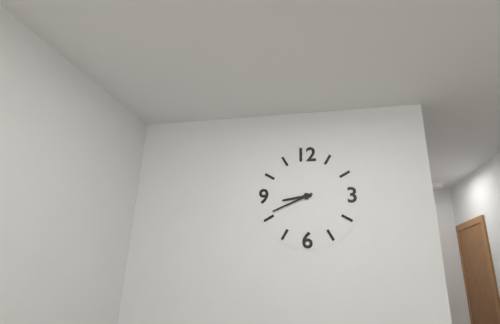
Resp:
8:41
